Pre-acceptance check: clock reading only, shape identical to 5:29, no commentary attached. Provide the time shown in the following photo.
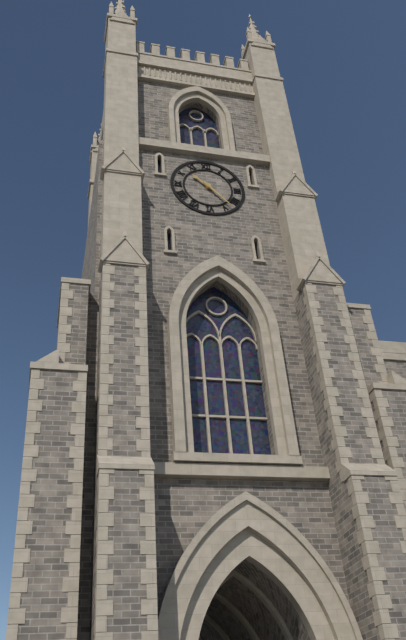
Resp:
10:23
